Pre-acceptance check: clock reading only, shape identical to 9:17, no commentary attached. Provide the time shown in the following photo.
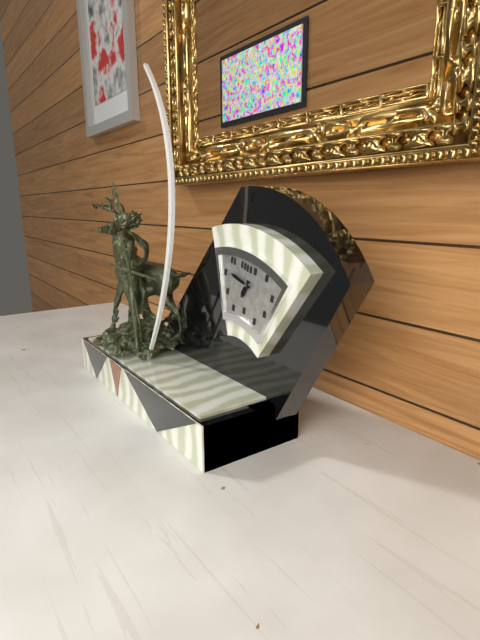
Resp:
6:46
